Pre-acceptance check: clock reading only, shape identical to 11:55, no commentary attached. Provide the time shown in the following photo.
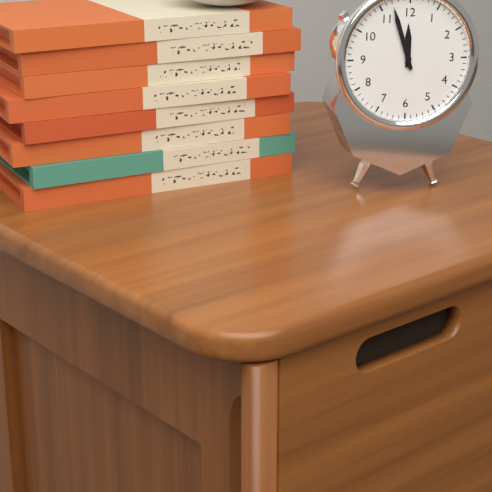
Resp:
11:57
